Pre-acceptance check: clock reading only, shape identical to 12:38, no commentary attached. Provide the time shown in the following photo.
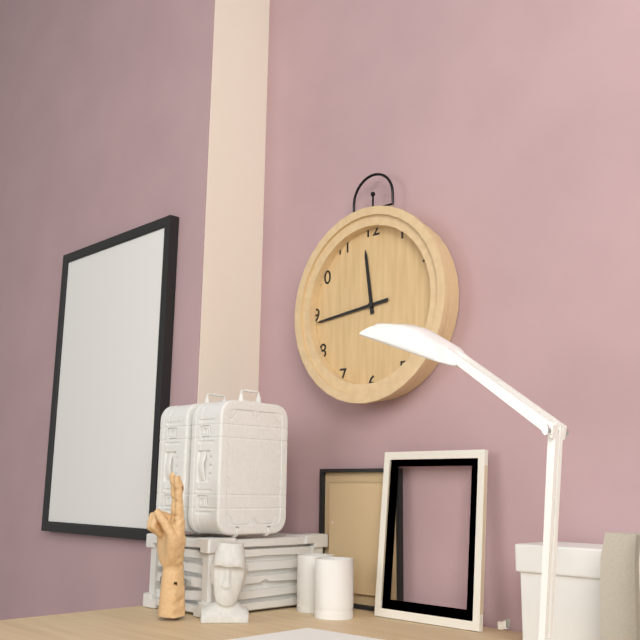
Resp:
11:44
